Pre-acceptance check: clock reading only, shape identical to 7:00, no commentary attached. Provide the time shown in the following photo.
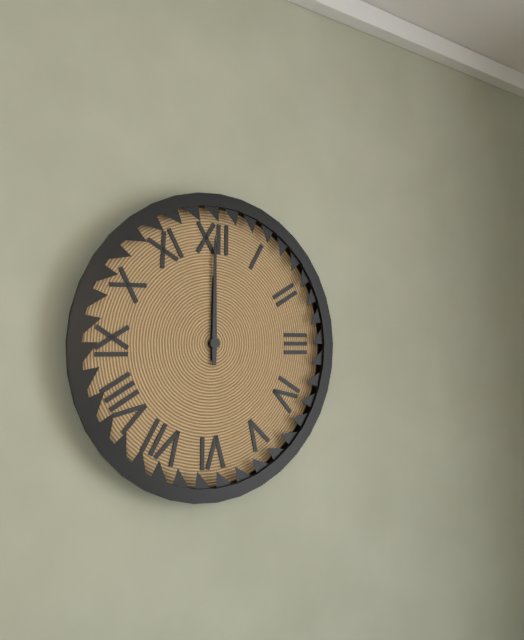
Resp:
12:00
